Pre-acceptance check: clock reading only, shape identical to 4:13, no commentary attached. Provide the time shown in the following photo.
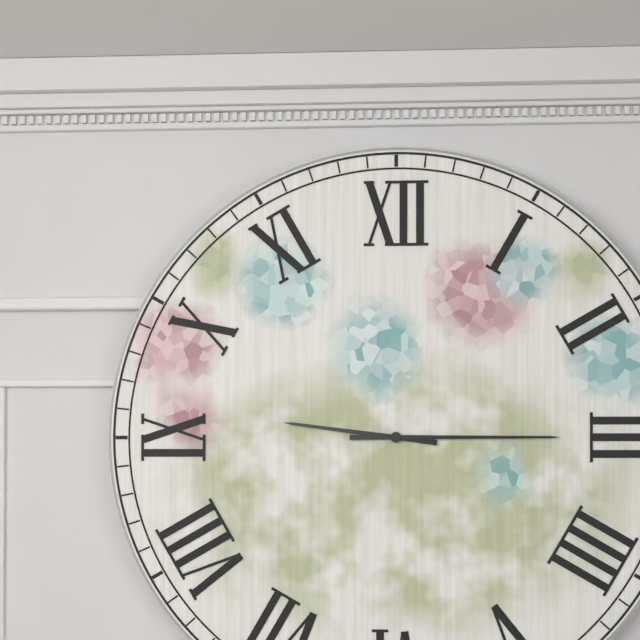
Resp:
9:15
